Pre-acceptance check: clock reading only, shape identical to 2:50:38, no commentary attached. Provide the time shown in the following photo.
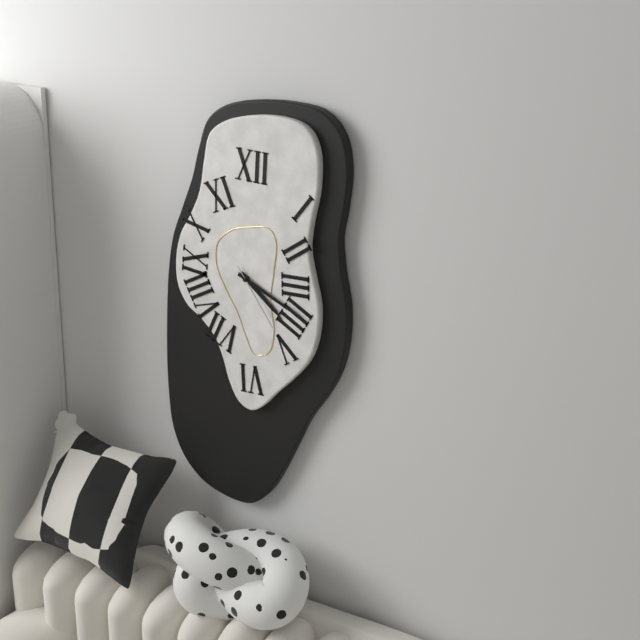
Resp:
4:19:24
